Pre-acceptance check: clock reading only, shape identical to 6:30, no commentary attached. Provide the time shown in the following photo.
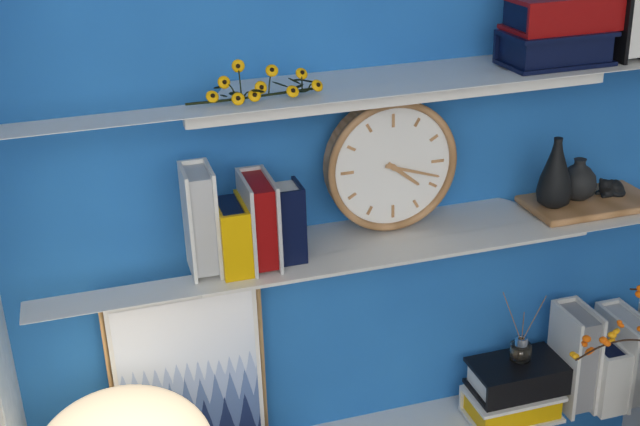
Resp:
4:18
